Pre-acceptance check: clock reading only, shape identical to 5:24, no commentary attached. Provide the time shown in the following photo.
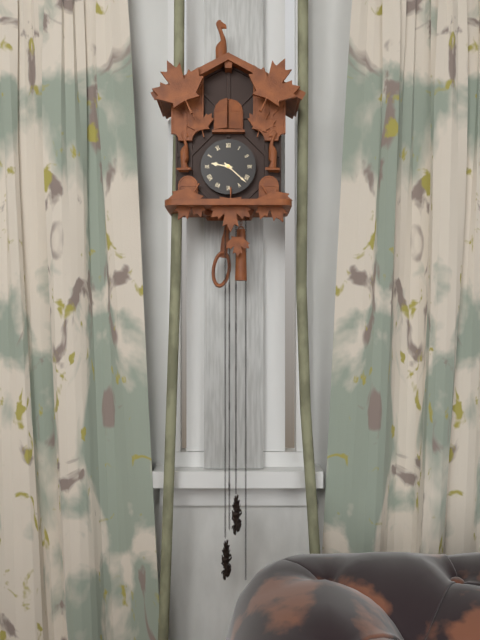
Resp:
9:22
